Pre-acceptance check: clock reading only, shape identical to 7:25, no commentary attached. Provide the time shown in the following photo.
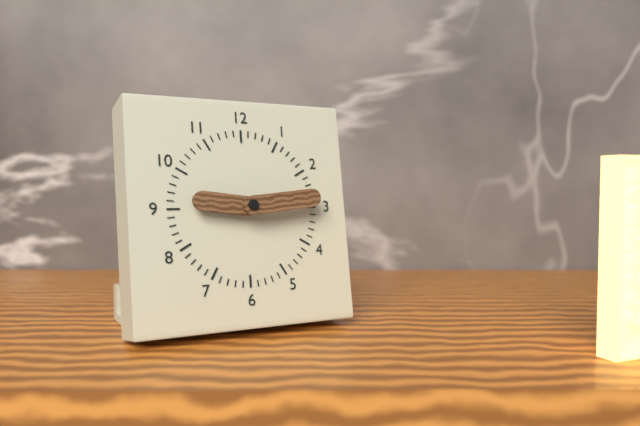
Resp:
9:14
